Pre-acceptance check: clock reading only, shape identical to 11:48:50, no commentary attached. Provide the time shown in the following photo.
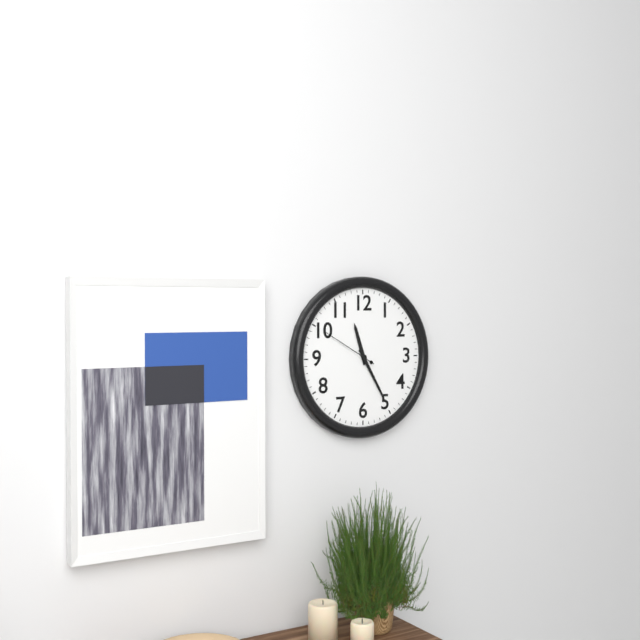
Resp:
11:25:50
